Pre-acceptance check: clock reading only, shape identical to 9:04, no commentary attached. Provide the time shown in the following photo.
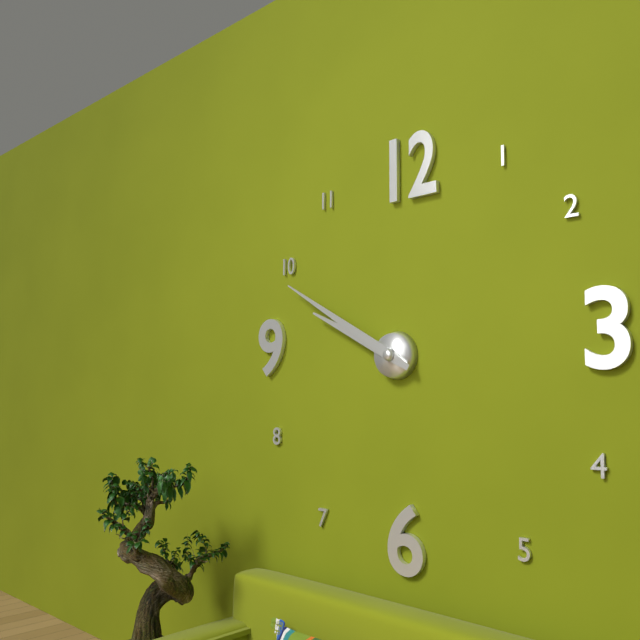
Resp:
9:50
